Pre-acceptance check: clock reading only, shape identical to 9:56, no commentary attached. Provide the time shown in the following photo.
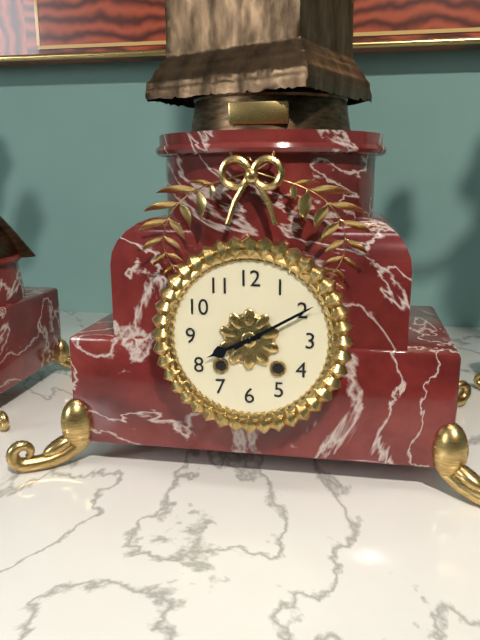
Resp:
8:10
